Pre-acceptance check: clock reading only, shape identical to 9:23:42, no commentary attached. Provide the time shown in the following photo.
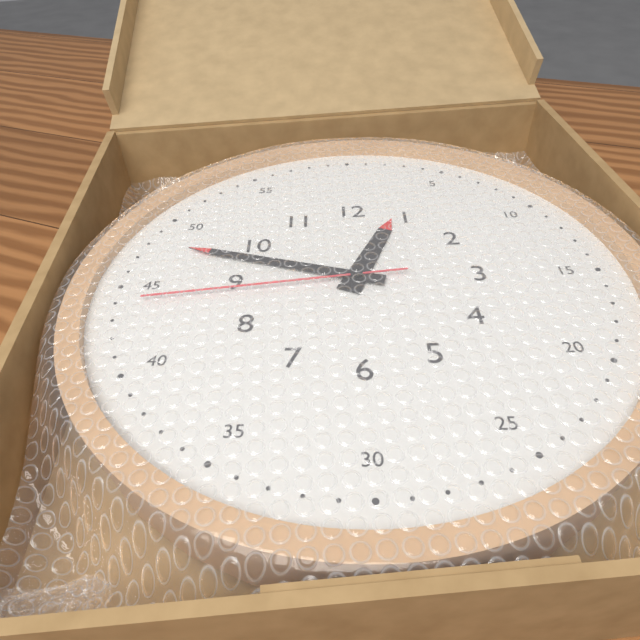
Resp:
12:48:44
